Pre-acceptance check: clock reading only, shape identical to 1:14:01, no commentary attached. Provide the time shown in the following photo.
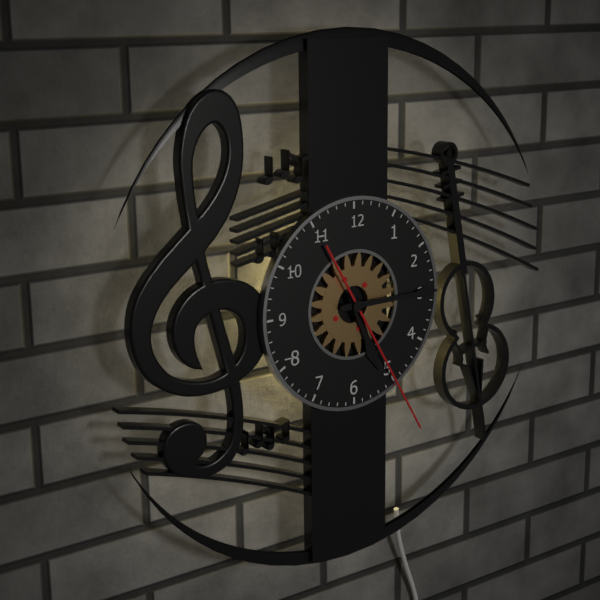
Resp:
5:15:25
